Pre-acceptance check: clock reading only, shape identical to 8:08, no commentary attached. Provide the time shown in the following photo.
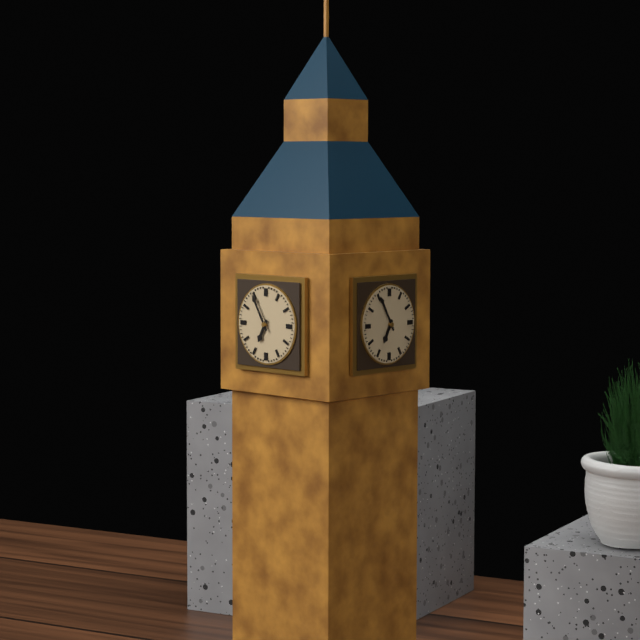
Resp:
6:55
